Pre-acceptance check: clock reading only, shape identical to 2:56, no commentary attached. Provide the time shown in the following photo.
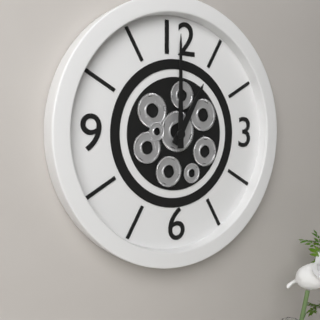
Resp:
1:00
